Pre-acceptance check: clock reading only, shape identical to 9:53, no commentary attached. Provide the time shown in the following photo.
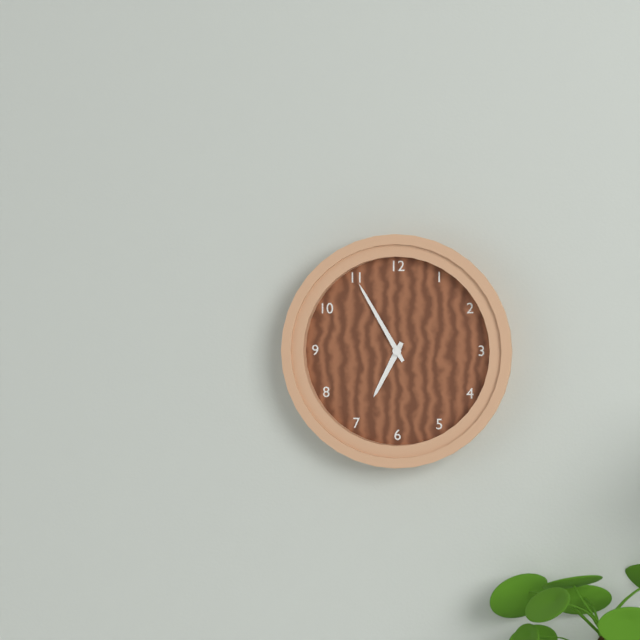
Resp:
6:55
